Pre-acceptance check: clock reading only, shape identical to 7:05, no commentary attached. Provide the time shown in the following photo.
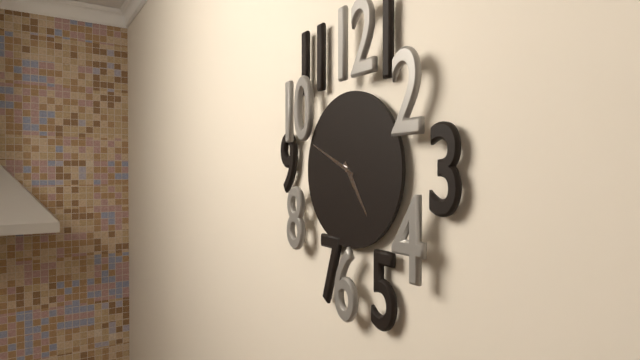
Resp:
4:49
